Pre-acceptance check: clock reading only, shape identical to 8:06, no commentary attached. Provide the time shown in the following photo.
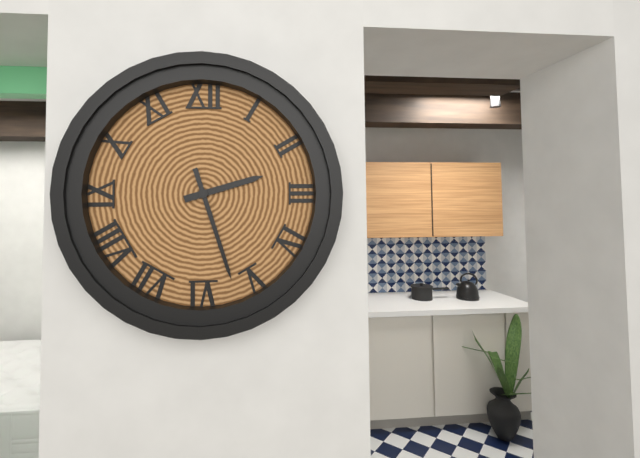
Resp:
2:27
